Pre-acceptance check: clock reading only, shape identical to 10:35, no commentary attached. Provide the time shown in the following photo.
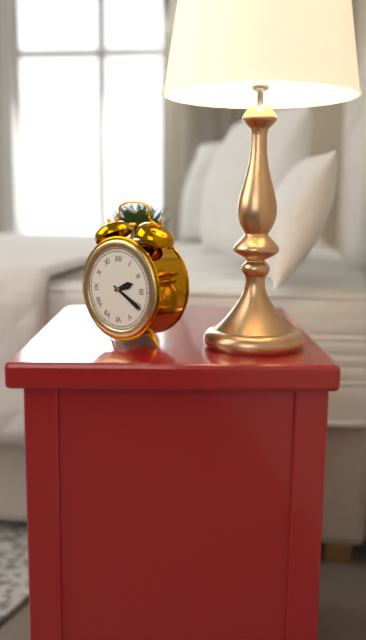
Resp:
2:20
